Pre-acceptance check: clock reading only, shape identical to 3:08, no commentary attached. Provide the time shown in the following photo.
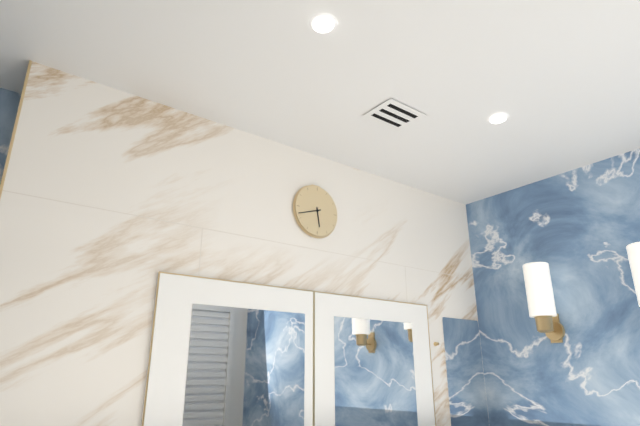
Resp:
5:42
